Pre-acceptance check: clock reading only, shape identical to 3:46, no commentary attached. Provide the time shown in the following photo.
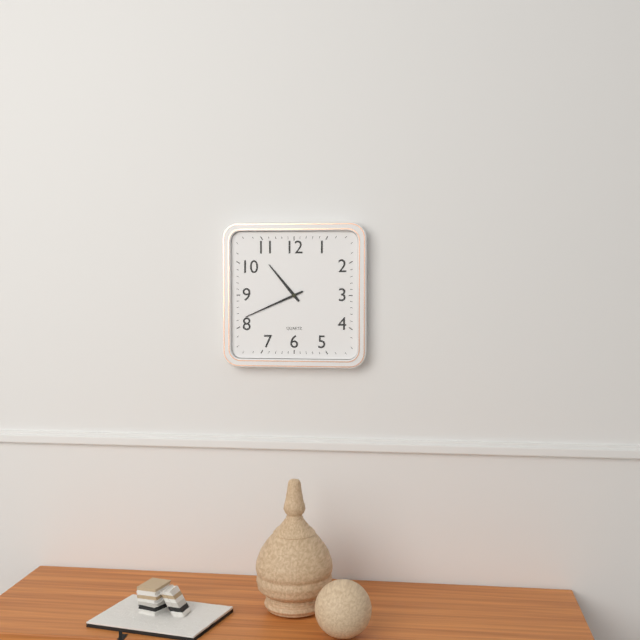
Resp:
10:41
